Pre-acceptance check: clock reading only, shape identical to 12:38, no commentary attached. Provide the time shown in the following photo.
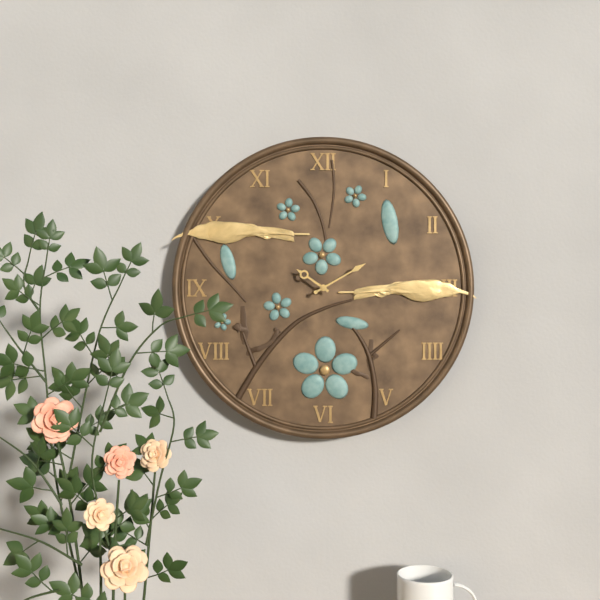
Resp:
10:10
